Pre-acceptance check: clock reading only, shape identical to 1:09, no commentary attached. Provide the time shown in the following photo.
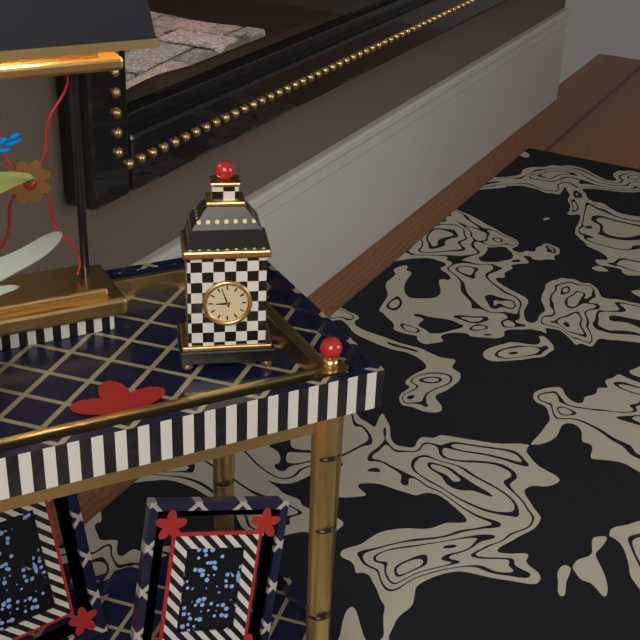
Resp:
8:57
